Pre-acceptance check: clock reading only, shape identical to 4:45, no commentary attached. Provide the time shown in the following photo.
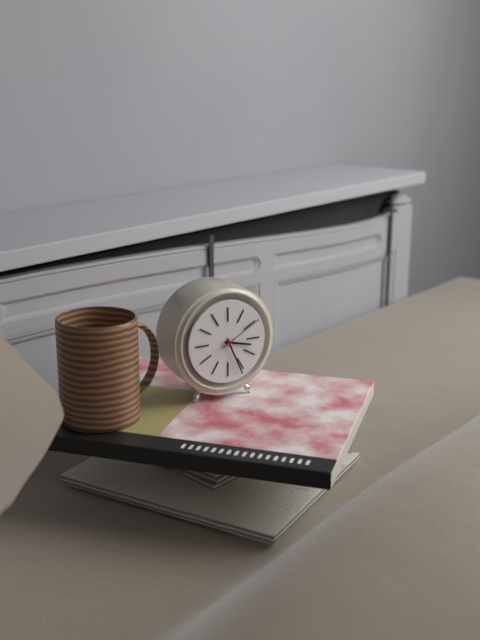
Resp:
3:26
